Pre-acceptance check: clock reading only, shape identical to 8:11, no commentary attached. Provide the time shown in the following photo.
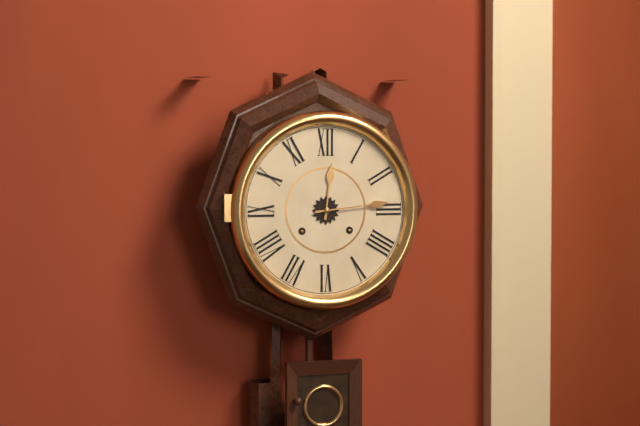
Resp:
12:14
